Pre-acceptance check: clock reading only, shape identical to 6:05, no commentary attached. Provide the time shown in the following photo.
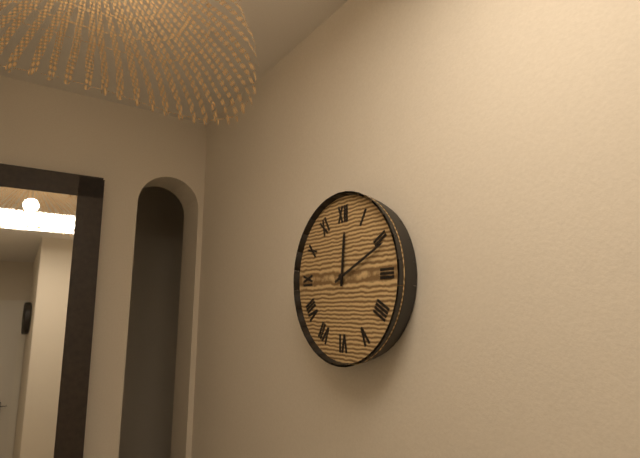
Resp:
12:11
